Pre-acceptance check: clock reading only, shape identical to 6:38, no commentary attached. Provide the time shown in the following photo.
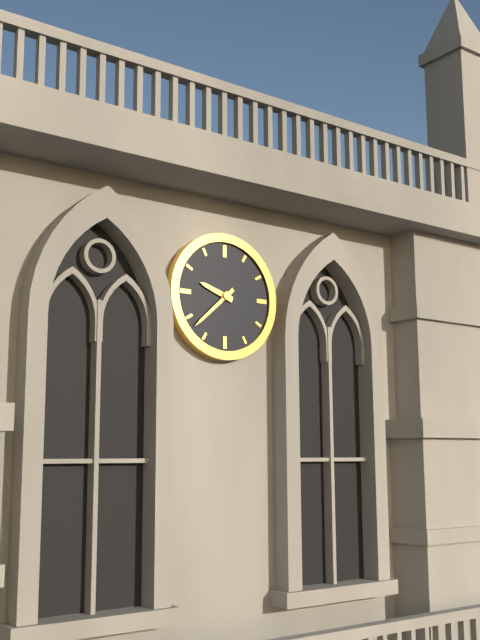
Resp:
9:38
